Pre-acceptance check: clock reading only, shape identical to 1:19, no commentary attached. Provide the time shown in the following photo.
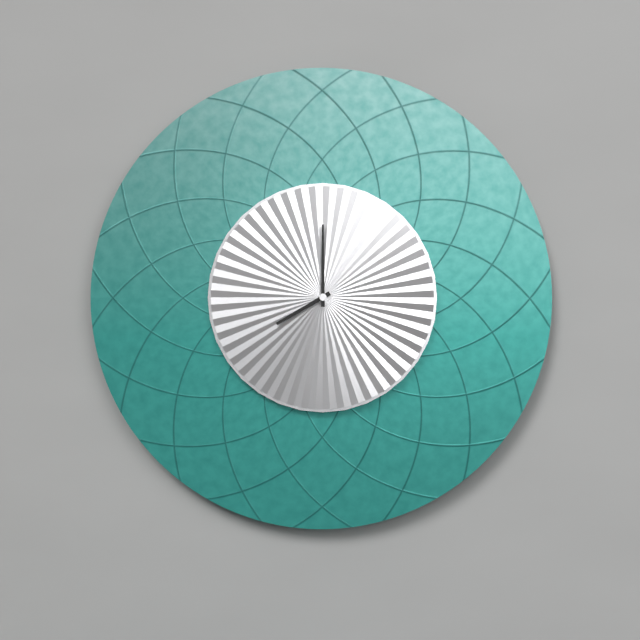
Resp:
8:00
